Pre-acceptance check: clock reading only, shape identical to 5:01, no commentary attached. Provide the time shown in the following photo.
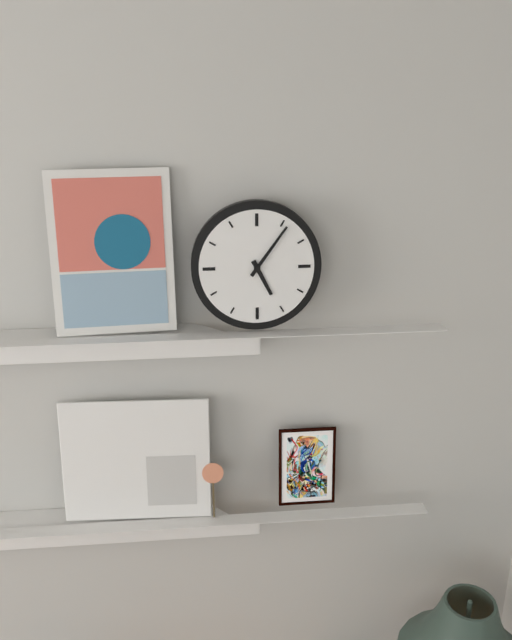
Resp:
5:06
